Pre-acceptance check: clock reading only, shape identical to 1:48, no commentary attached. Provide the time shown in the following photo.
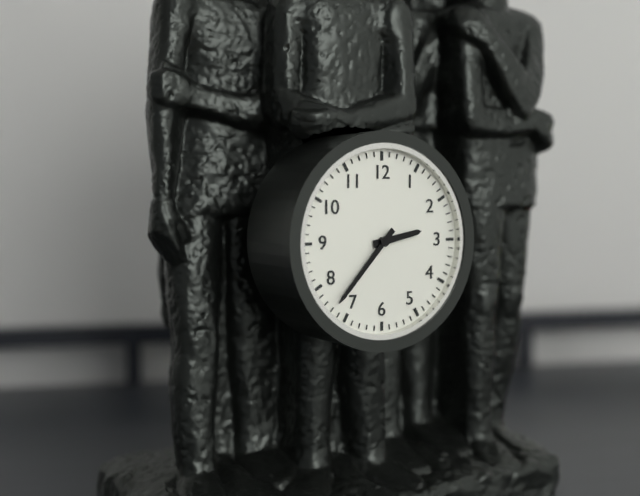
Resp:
2:37
